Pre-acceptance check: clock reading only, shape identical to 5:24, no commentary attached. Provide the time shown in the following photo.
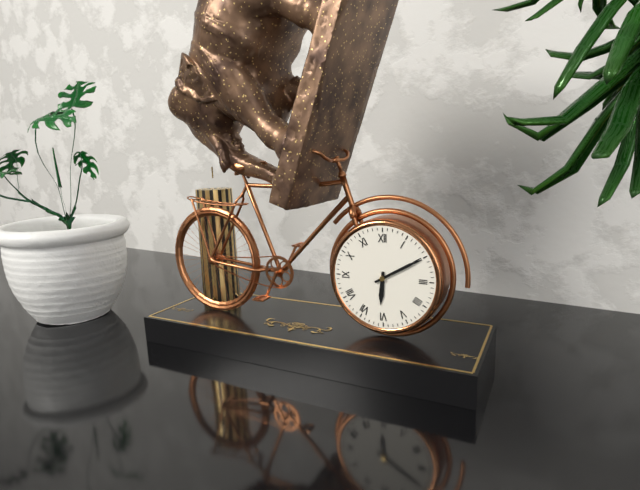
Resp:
6:10
